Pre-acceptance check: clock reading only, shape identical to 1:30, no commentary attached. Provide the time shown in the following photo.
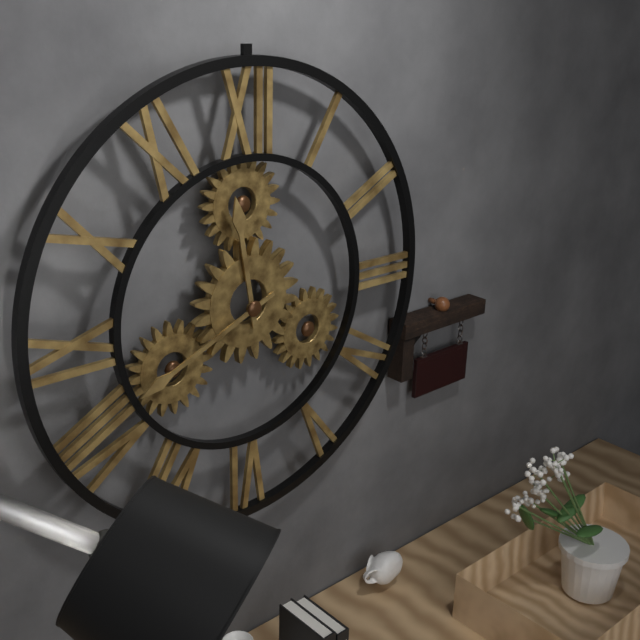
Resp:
11:41
